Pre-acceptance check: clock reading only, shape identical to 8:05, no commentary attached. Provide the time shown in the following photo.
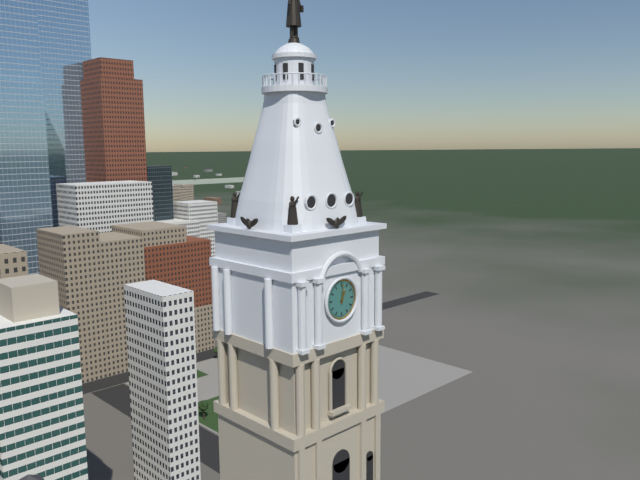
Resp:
1:01
